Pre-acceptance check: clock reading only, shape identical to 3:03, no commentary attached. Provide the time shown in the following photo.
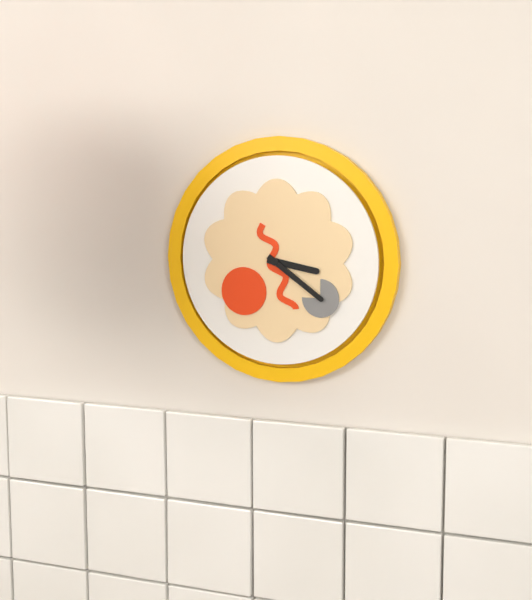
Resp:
3:21
